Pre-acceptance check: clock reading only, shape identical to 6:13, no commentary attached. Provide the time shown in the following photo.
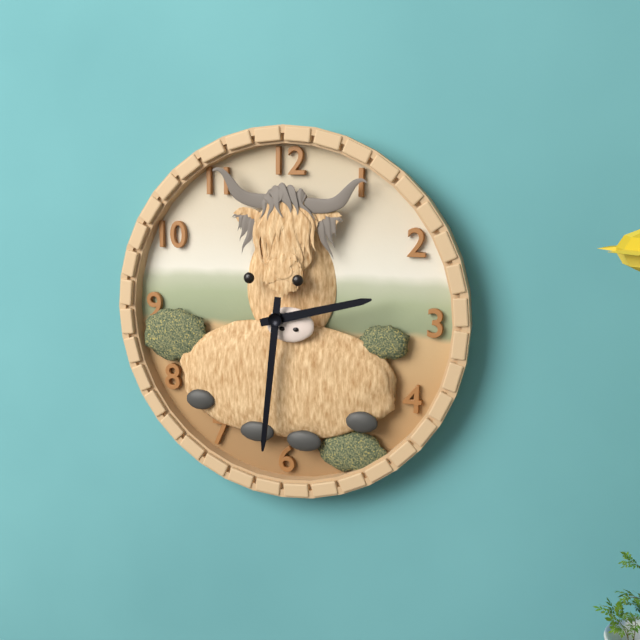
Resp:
2:31
